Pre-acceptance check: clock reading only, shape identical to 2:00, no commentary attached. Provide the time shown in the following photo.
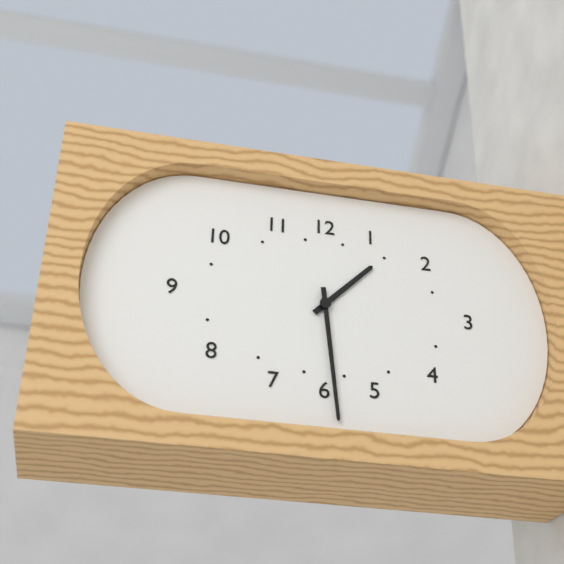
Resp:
1:29
